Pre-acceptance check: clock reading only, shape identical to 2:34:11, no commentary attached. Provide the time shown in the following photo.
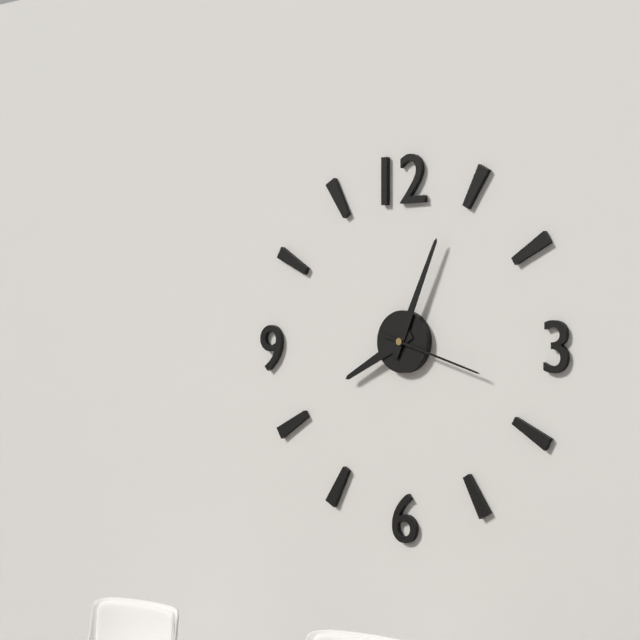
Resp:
8:04:18
